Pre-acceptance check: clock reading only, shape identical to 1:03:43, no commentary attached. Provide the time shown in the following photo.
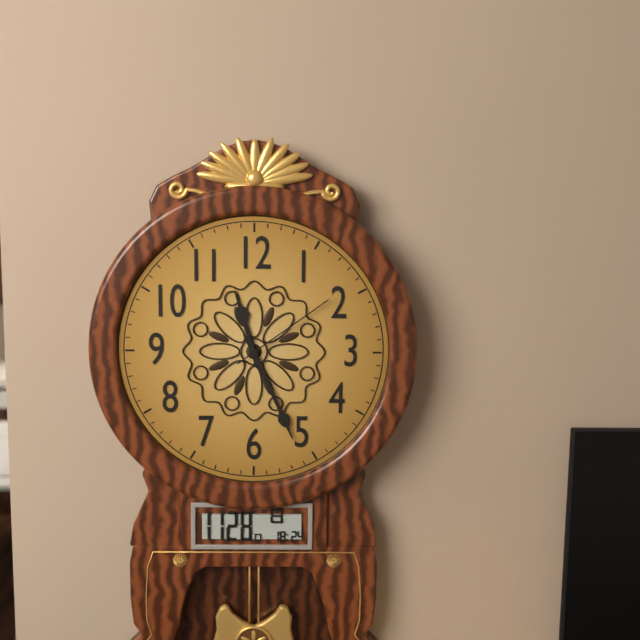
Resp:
11:26:09
